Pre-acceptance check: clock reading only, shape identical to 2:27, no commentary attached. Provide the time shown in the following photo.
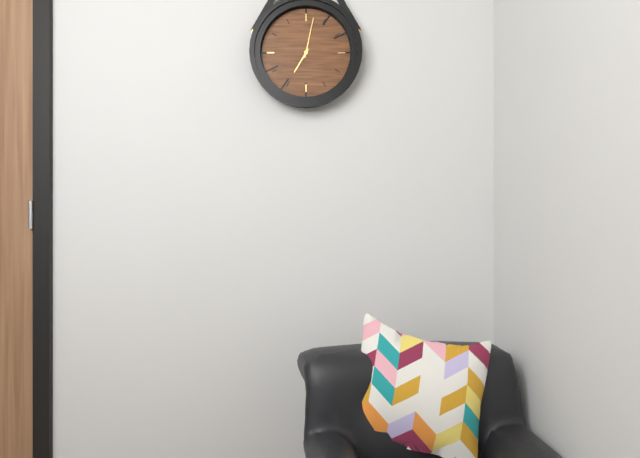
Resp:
7:02
